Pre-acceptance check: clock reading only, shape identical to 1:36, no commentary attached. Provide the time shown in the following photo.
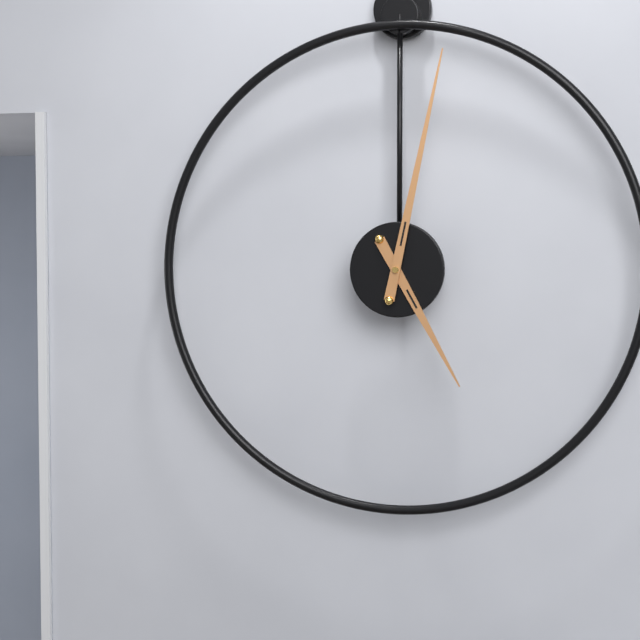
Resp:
5:02
